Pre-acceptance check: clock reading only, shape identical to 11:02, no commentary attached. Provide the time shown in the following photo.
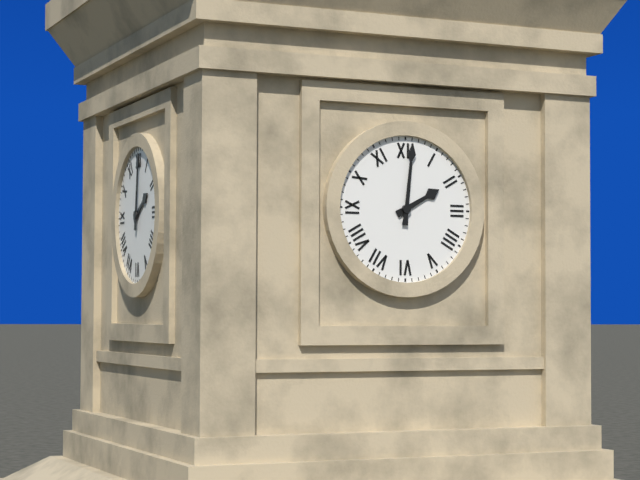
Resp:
2:01
